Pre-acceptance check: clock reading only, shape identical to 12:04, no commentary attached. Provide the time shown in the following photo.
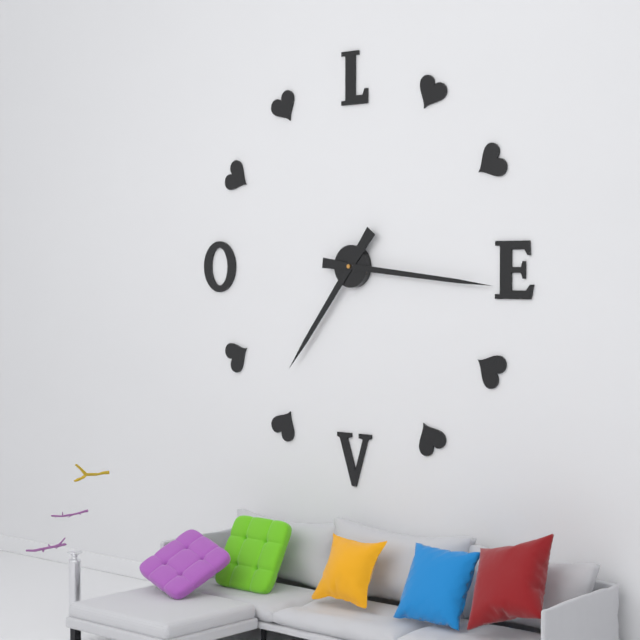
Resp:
7:16
